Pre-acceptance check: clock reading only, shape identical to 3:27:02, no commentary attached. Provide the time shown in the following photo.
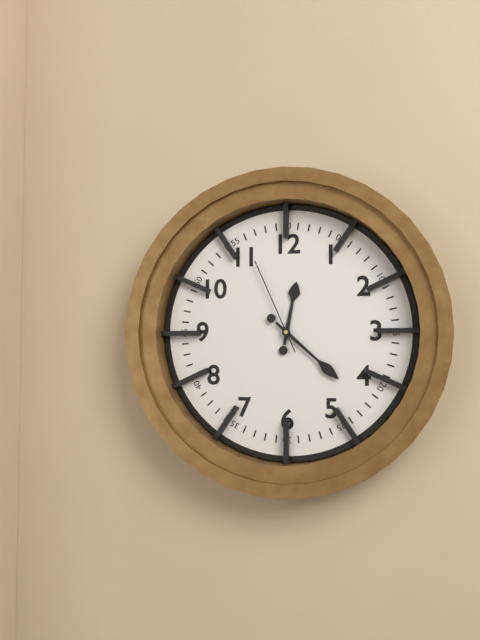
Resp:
12:22:56
